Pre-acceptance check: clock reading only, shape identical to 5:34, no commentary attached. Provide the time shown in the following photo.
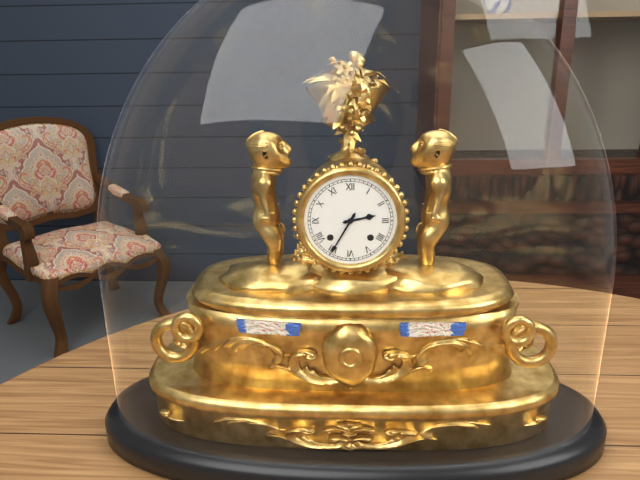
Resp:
2:35
